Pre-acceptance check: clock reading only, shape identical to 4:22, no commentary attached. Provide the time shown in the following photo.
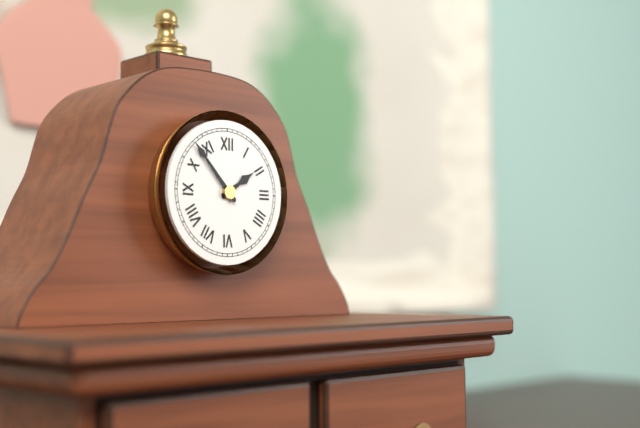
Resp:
1:53
